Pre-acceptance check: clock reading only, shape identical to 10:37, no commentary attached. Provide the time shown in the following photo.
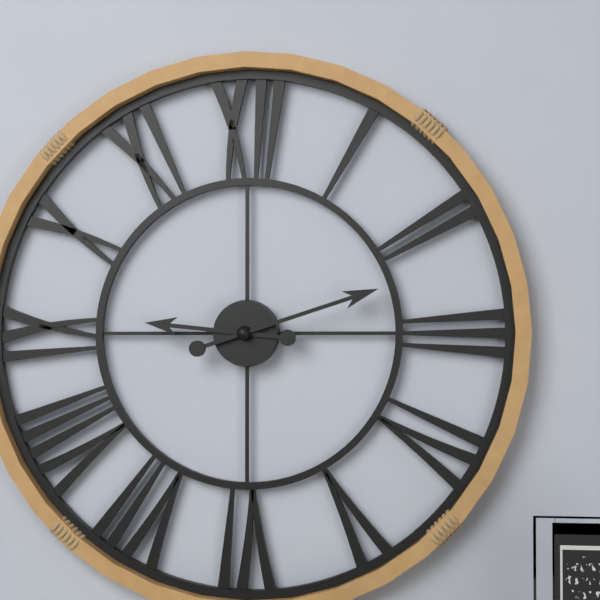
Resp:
9:12
